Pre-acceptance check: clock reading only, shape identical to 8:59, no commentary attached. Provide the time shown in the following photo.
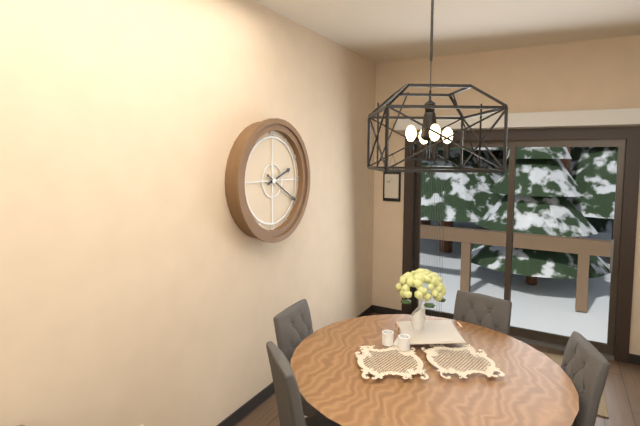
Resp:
2:20
